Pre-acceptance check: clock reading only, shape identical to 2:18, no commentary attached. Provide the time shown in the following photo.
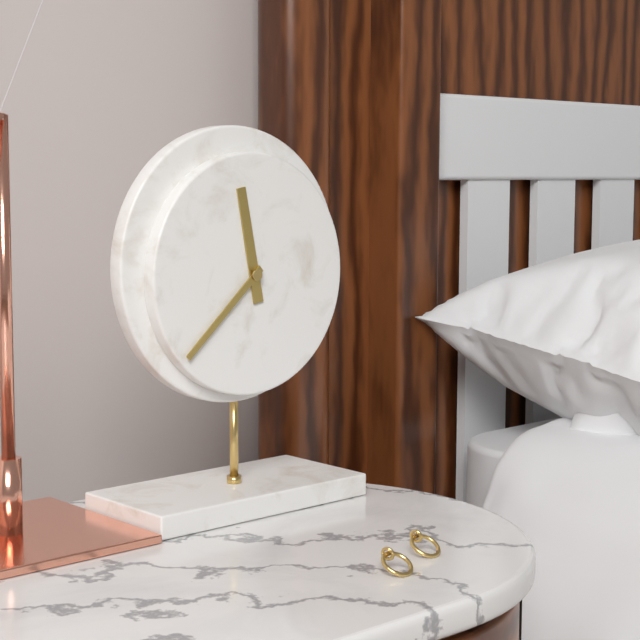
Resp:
11:38
